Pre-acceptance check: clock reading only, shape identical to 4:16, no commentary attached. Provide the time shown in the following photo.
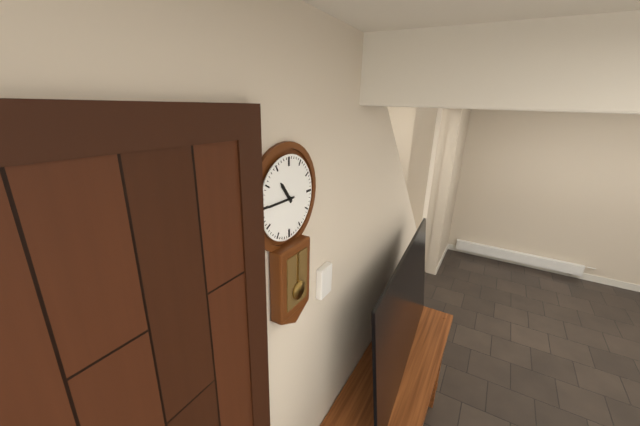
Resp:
10:45
